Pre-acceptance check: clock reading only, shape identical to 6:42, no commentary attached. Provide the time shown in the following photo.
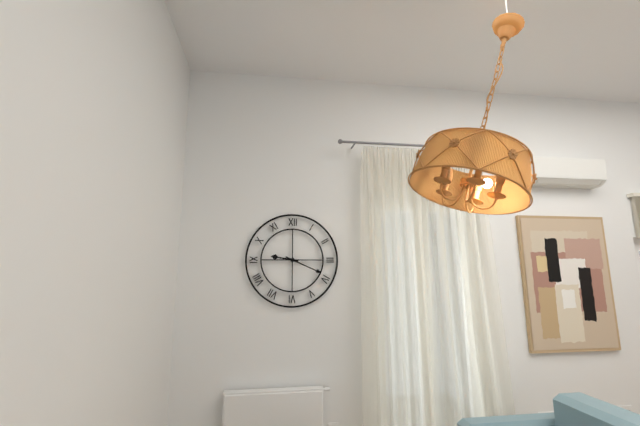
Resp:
9:19
